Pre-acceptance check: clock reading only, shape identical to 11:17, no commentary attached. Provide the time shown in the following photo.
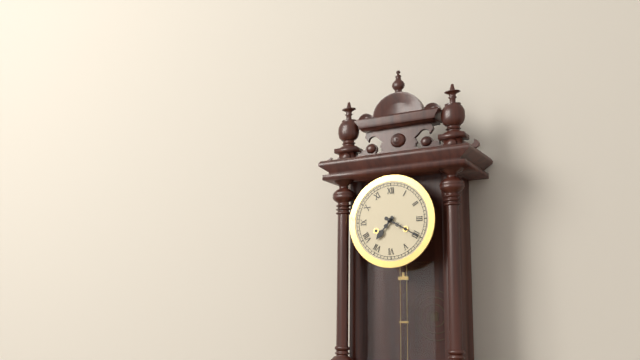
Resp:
7:20
